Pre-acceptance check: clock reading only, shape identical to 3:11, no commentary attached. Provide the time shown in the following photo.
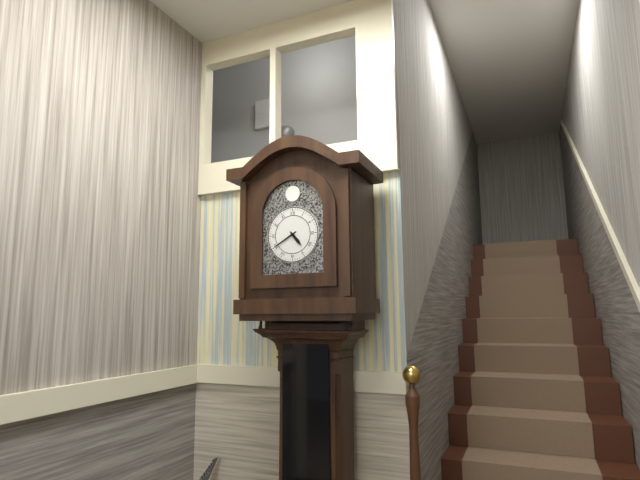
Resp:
4:40
